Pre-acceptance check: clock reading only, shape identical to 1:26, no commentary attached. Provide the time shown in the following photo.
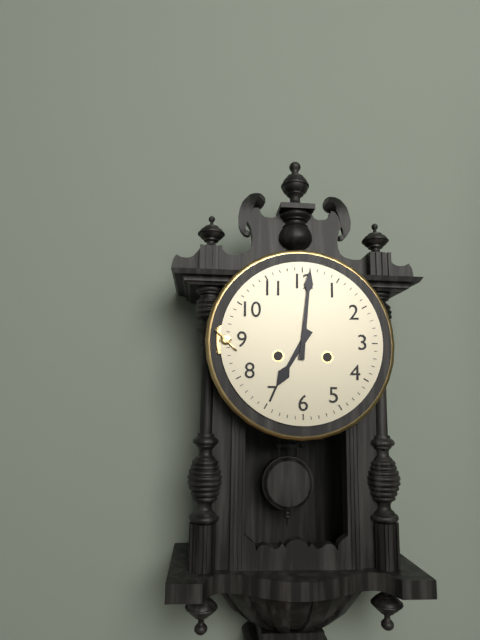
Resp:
7:01
